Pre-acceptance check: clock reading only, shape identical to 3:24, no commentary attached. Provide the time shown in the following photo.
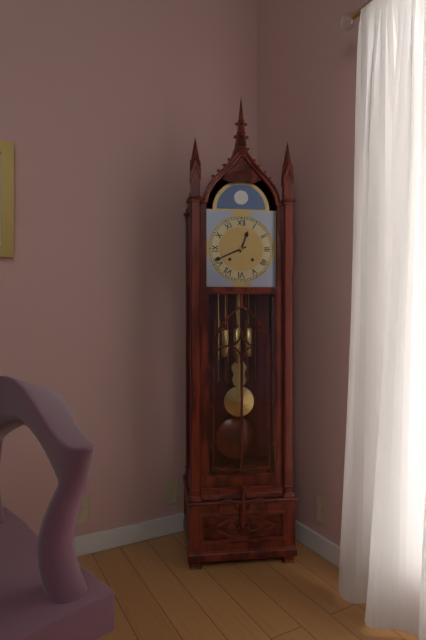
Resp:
12:41
